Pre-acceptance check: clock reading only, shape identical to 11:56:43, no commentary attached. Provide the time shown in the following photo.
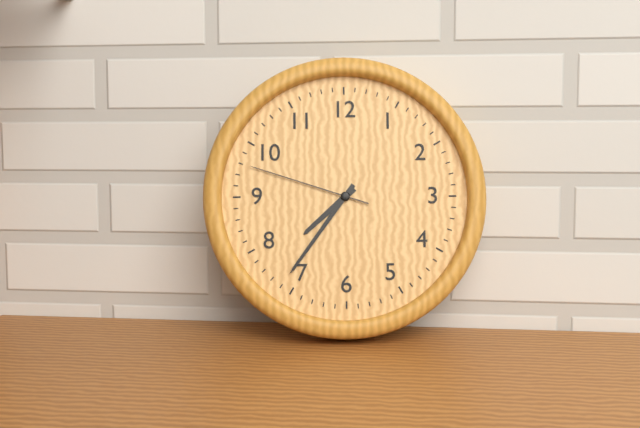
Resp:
7:36:48
